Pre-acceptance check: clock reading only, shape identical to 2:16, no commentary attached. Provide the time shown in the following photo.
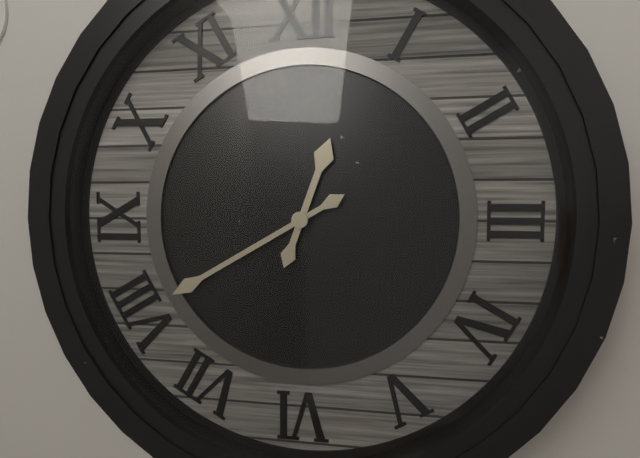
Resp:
12:40
